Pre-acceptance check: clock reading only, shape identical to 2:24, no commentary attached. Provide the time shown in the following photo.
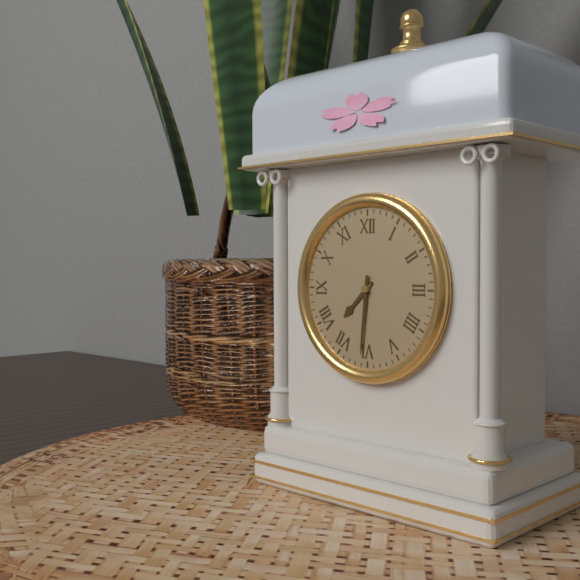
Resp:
7:31
